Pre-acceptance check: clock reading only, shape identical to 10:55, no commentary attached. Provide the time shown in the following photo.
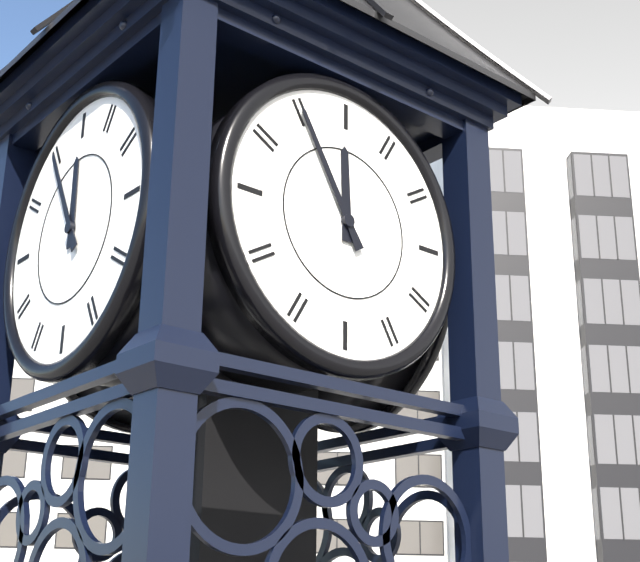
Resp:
11:55
